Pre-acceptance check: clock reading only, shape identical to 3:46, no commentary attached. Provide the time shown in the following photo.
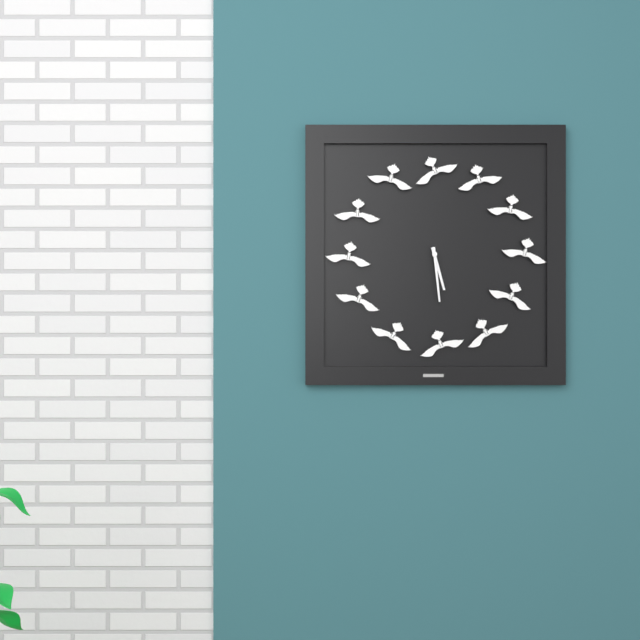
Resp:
5:29
